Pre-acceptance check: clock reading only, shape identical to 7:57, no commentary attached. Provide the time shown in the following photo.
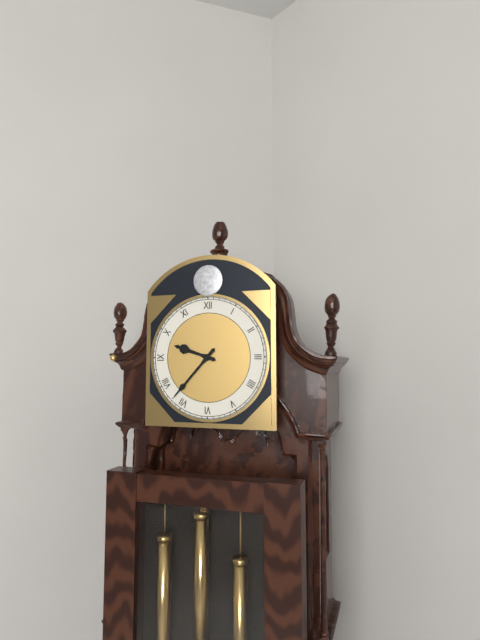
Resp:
9:37
